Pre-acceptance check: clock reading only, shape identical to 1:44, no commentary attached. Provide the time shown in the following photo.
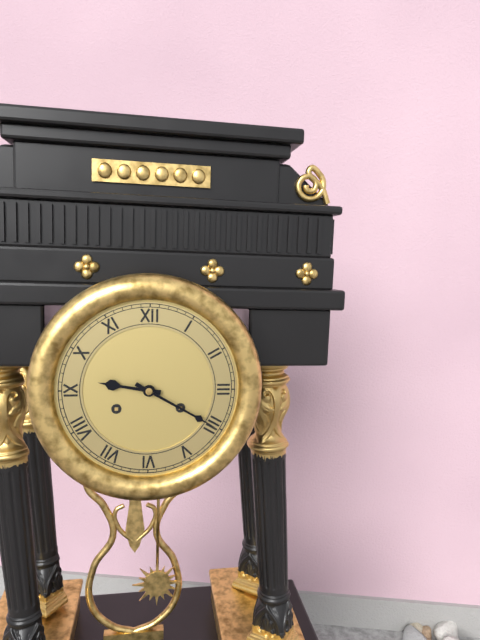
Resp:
9:20
